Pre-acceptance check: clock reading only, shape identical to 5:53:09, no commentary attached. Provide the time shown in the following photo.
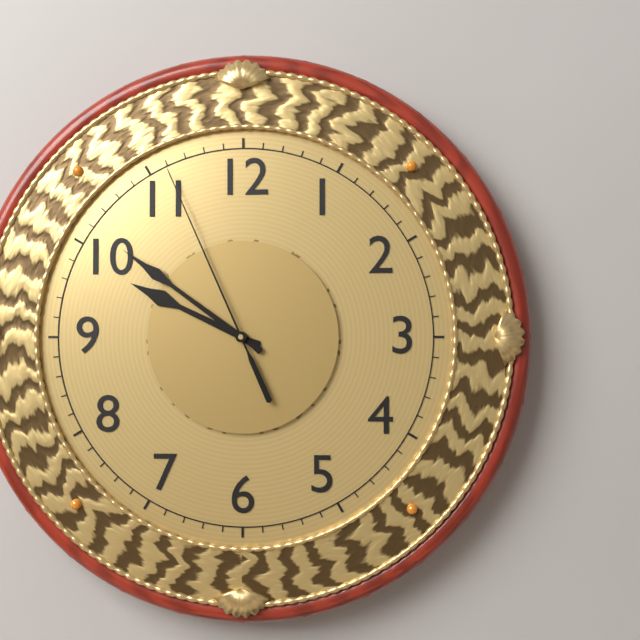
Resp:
9:51:56
